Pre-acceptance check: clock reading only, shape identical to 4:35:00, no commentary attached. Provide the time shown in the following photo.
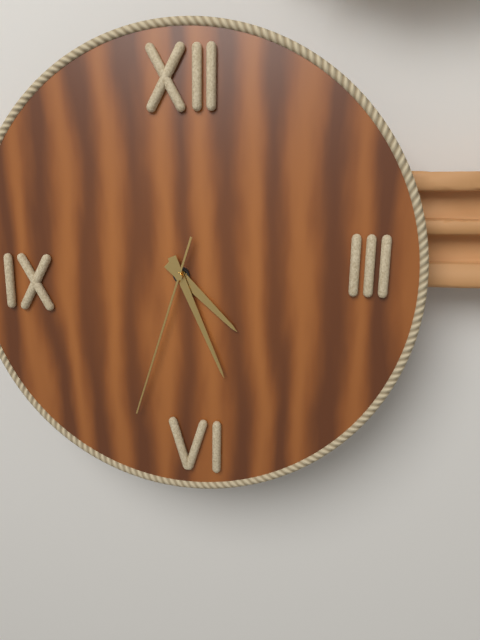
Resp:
4:26:33
